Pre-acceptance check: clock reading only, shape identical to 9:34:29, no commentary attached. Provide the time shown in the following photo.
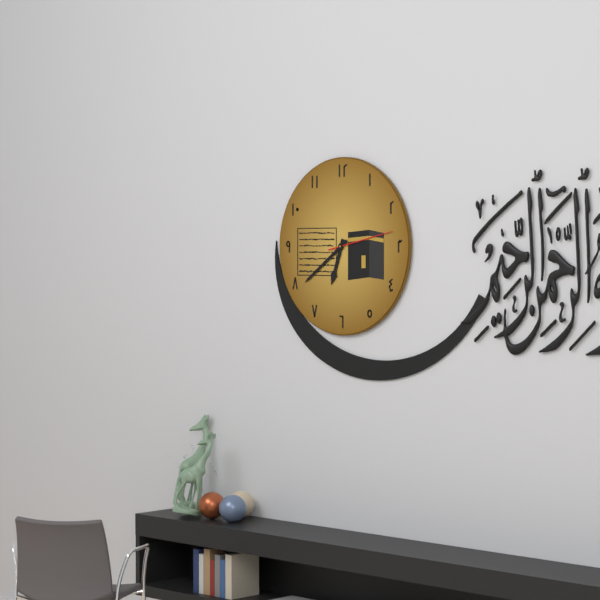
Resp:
6:39:13
